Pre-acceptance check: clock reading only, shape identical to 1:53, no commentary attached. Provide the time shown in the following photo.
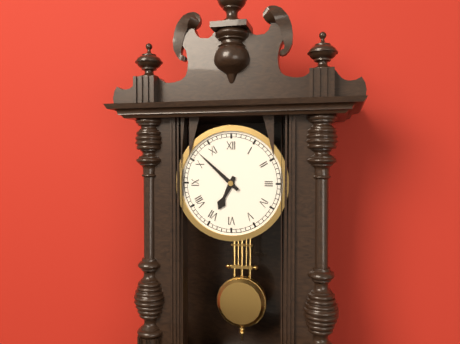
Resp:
6:52
